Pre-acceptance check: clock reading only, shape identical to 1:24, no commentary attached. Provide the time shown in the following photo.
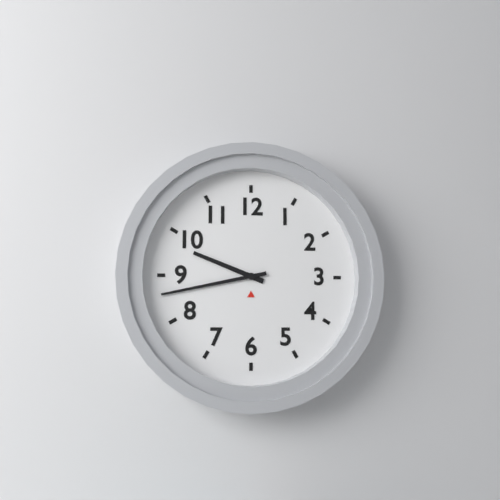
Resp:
9:43
